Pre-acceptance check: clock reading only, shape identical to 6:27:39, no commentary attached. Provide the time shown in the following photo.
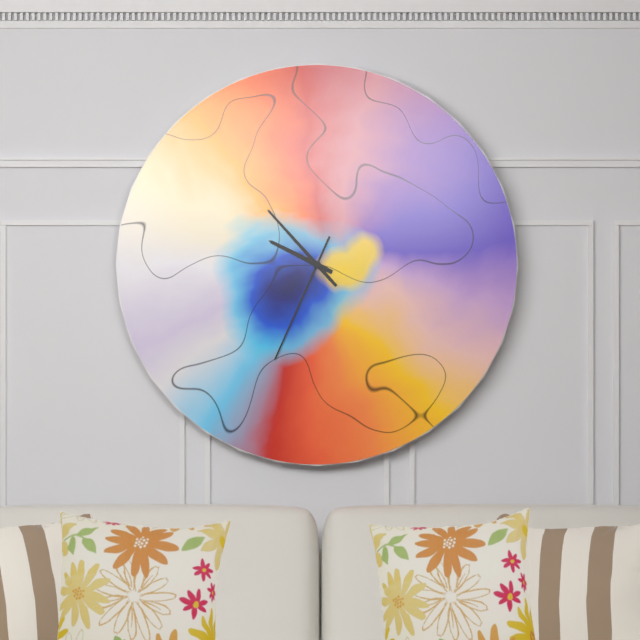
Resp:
9:53:34
